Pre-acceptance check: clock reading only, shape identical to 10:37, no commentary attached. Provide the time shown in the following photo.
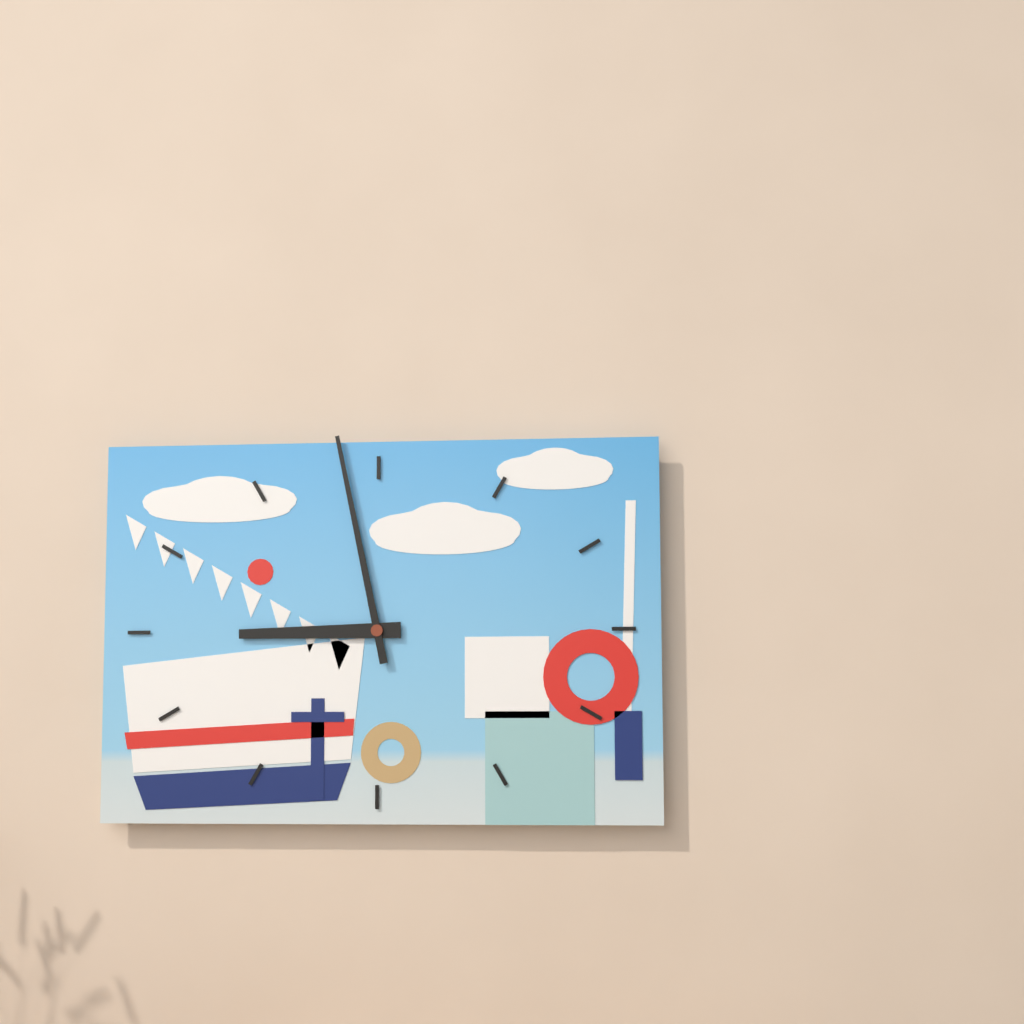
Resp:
8:58
